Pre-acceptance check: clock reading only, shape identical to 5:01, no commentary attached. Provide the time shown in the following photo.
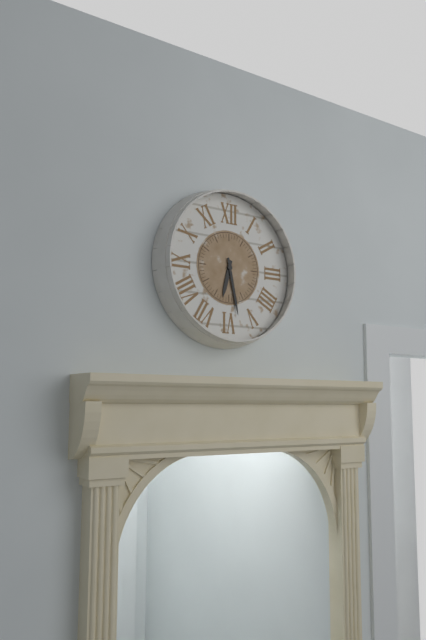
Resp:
6:28
